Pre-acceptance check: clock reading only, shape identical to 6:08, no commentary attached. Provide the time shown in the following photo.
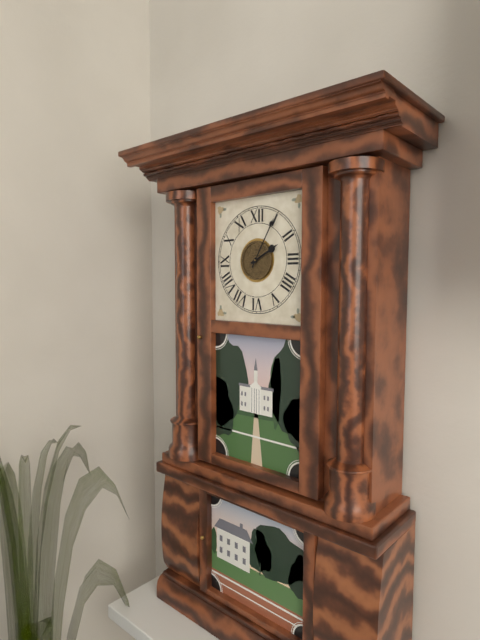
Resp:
2:05
